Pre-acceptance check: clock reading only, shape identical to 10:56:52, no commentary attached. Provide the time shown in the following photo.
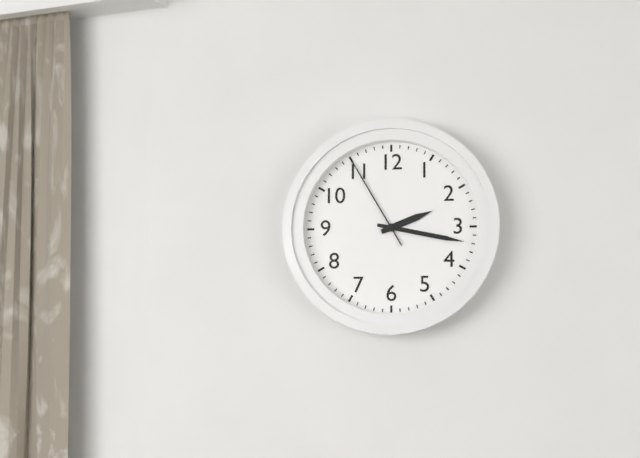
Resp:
2:17:55
